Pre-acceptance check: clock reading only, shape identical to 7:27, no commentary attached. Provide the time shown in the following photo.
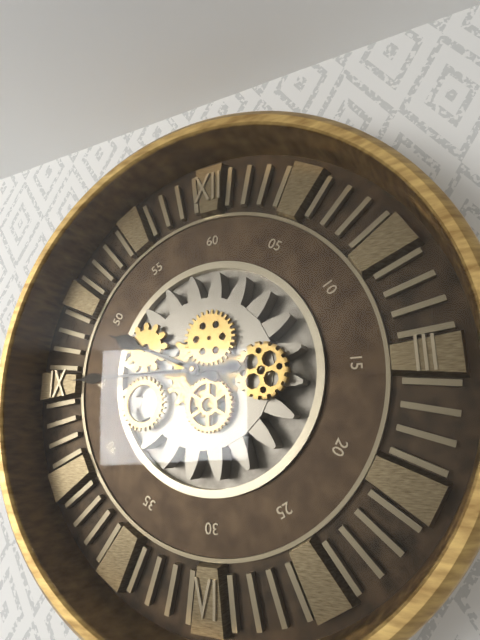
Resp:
9:45
